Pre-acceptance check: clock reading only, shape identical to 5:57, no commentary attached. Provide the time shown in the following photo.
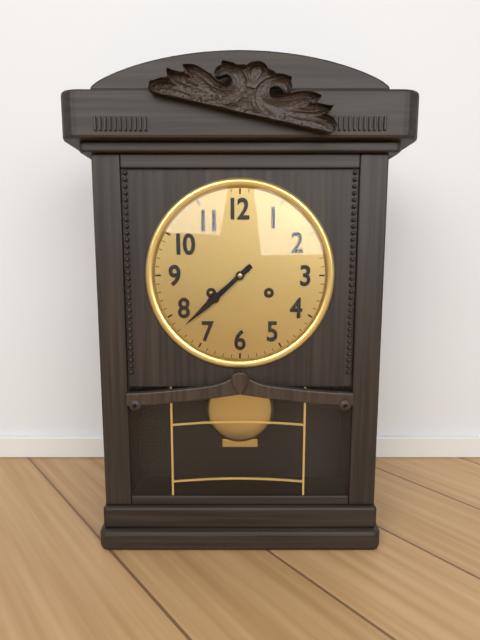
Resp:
7:38
